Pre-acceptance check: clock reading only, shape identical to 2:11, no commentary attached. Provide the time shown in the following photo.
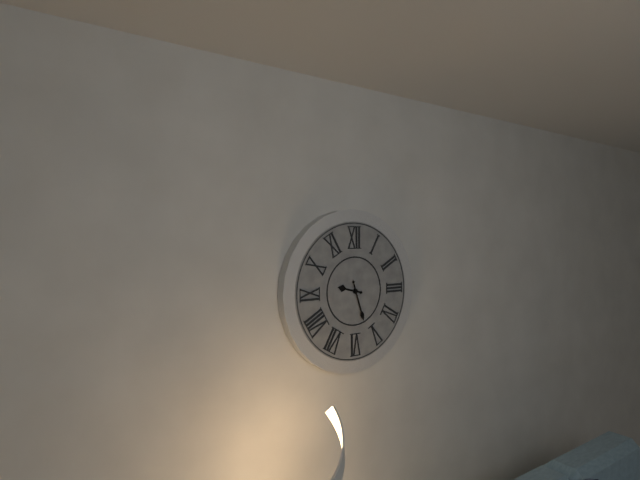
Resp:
9:27
